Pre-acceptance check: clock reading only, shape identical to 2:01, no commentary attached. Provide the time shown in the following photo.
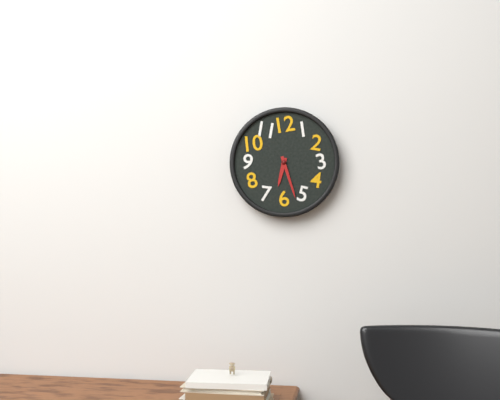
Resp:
6:27
